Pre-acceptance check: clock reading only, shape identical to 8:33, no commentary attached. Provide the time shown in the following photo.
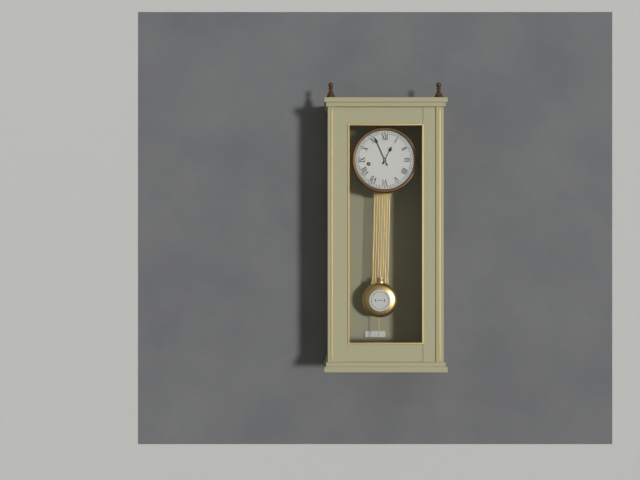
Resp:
12:56
